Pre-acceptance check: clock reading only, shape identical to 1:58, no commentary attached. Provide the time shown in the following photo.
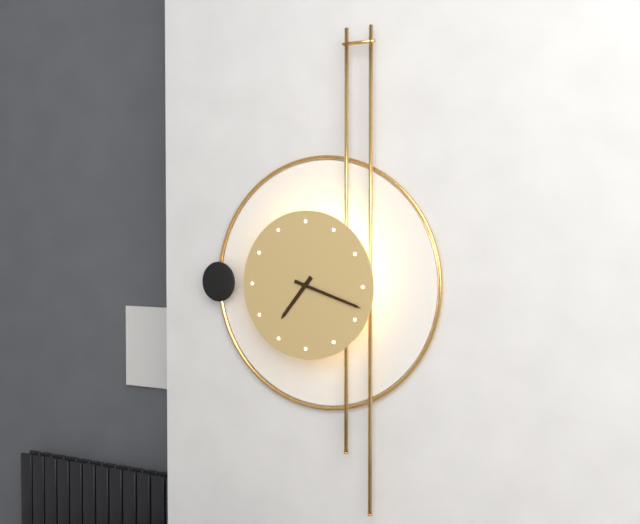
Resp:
7:18
